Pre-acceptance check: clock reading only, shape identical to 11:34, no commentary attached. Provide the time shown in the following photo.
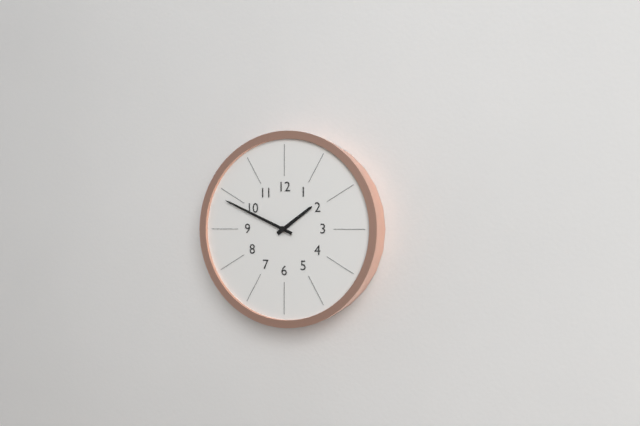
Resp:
1:49
